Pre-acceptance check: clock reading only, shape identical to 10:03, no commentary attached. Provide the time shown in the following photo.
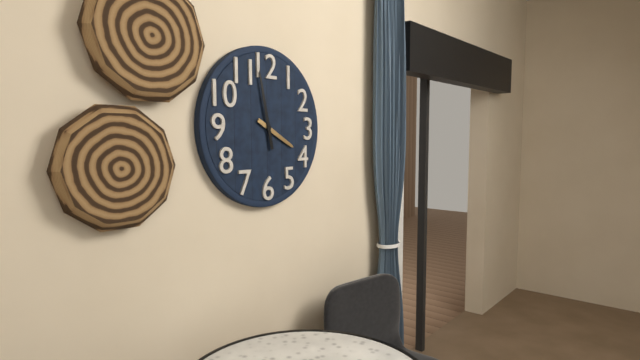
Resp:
3:58
